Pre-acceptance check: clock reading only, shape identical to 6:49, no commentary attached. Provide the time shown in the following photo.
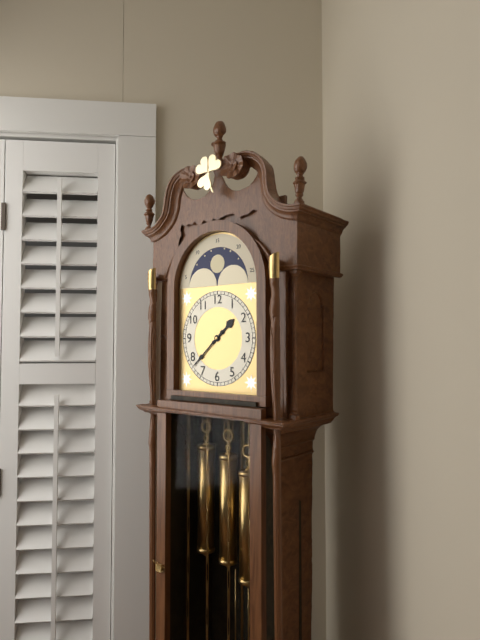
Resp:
1:38
